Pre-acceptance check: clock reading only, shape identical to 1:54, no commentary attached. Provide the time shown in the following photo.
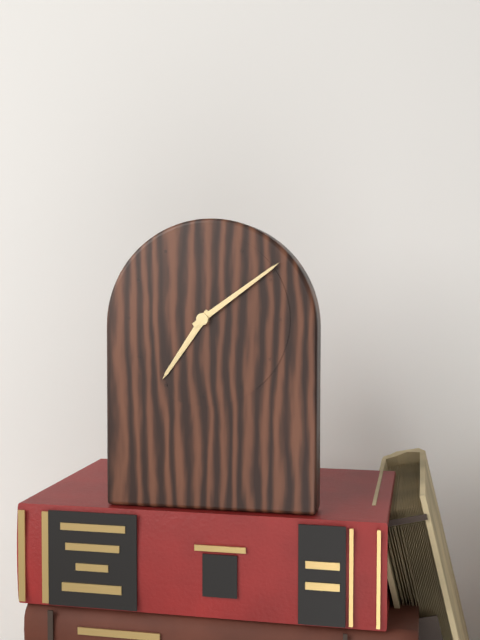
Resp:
7:09
